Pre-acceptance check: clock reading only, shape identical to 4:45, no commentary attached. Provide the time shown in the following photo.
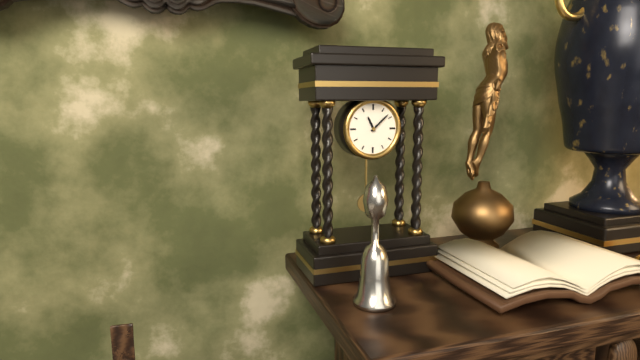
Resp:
11:08
